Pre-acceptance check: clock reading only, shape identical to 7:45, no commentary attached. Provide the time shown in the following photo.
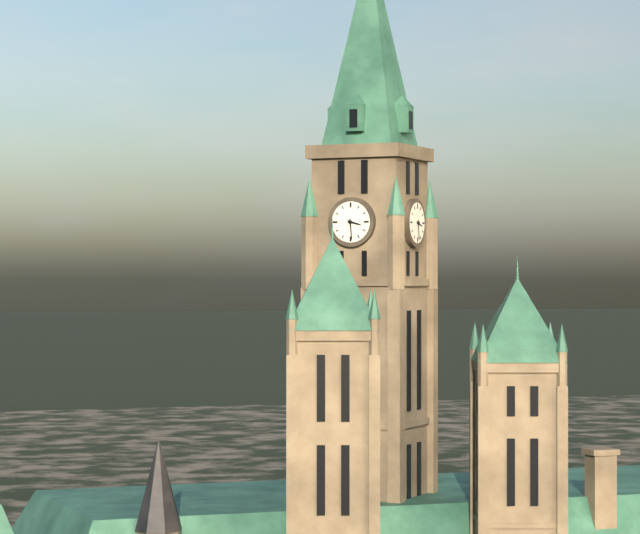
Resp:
3:29
